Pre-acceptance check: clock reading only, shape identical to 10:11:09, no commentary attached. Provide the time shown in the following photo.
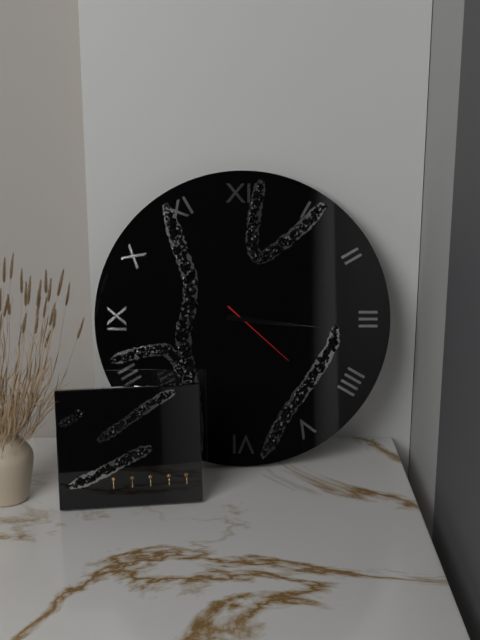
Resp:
3:16:22
